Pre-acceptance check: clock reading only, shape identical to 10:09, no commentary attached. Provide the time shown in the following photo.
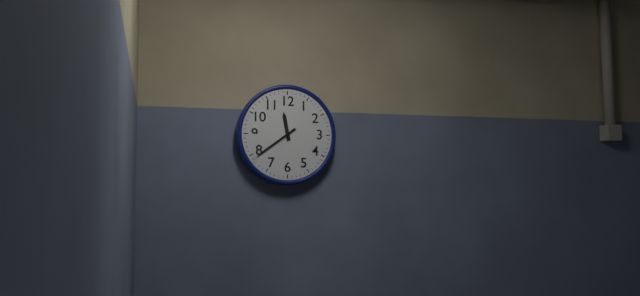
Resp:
11:39
